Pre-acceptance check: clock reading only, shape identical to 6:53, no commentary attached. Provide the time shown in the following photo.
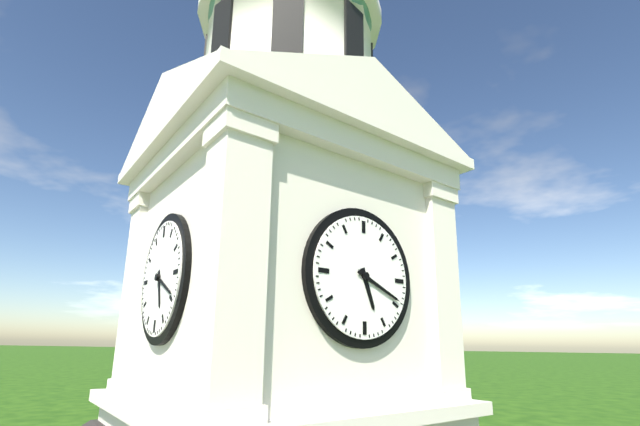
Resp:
5:19
